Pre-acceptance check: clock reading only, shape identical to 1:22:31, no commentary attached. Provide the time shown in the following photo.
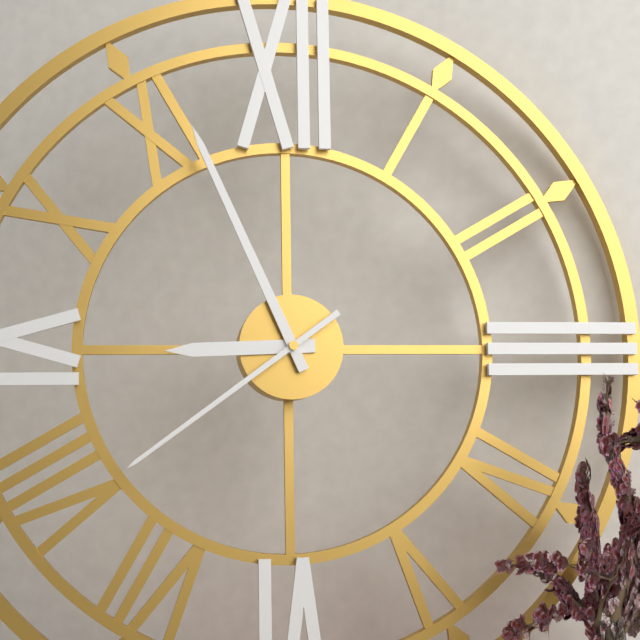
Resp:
8:56:39
